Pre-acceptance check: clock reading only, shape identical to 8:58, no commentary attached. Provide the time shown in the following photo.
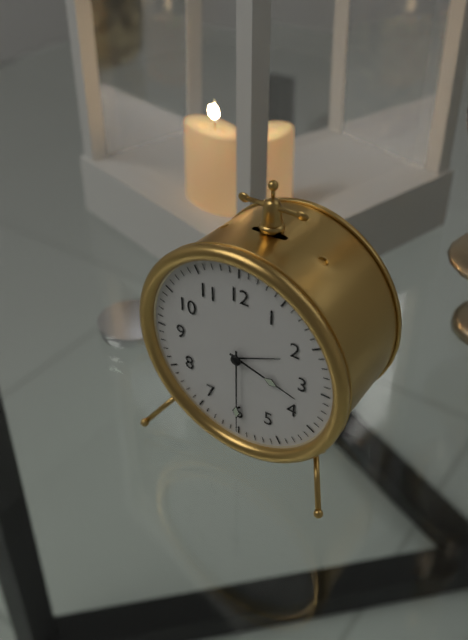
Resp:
3:30
